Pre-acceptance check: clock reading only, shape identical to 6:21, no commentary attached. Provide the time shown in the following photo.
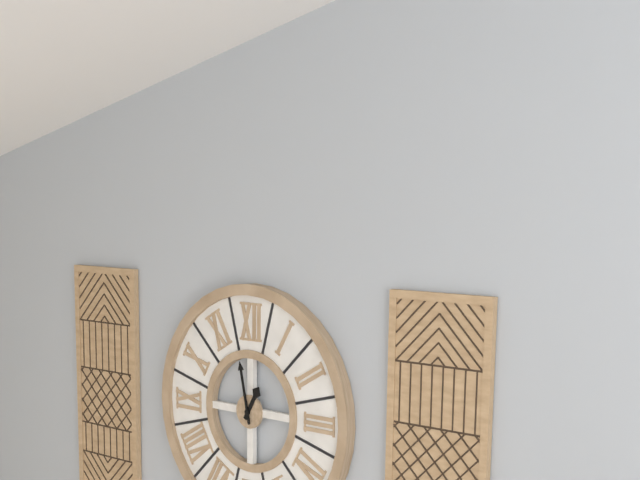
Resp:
12:58
